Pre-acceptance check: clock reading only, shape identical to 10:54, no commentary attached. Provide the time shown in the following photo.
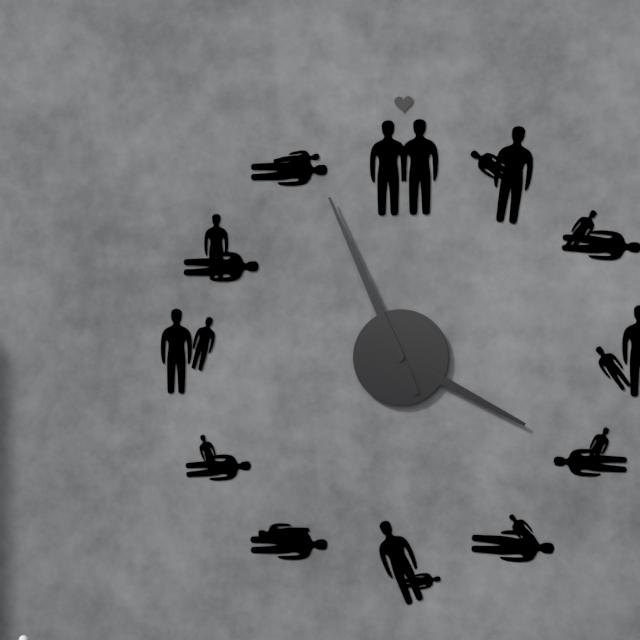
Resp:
3:56
